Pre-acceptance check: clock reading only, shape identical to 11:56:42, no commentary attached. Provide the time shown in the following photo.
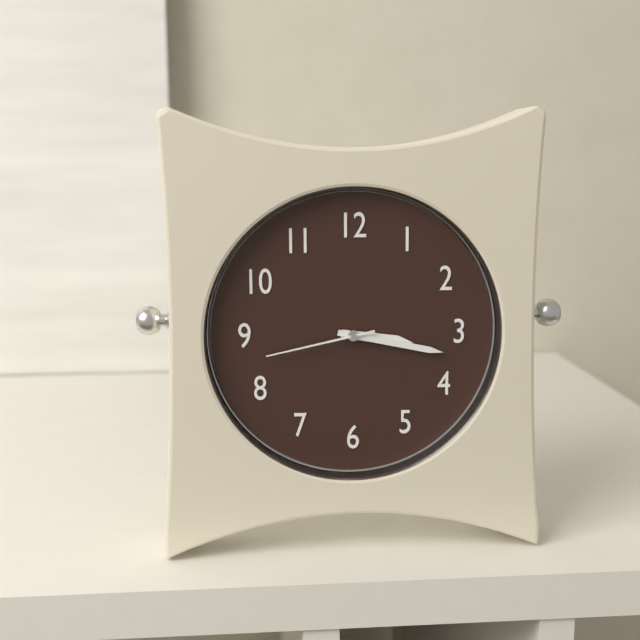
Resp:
3:17:43
